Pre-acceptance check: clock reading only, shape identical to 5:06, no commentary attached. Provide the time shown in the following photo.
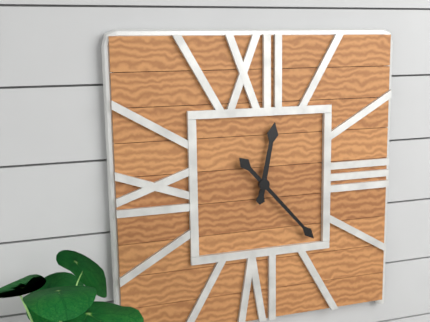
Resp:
12:23
